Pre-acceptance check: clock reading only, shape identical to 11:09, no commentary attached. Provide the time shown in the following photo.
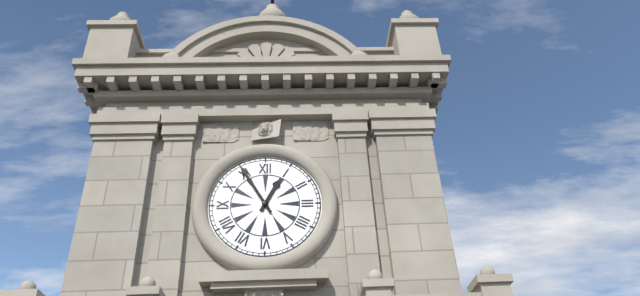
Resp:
12:55
